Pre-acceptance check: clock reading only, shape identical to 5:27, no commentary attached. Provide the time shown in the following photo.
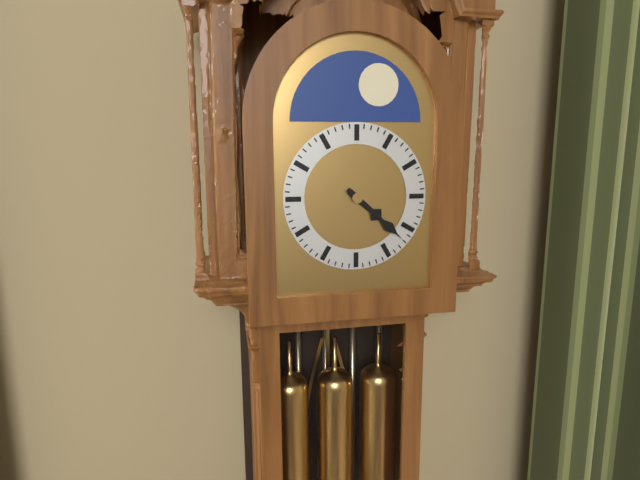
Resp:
4:22
